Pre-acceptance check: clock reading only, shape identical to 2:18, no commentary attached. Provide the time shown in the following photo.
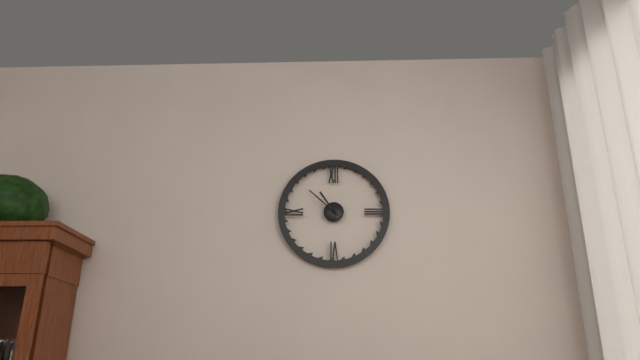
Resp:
10:52
